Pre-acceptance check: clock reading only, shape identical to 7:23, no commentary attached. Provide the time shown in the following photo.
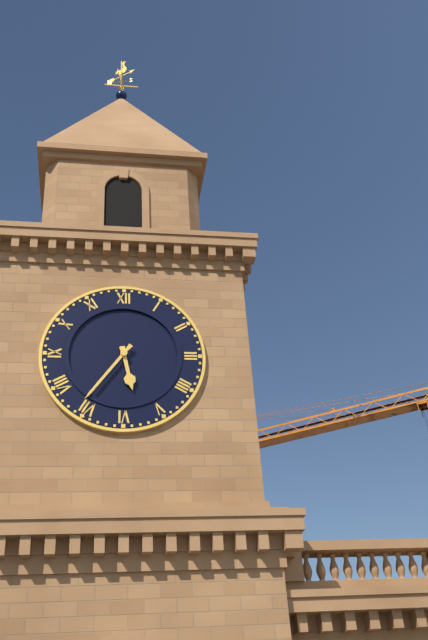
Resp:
5:36
